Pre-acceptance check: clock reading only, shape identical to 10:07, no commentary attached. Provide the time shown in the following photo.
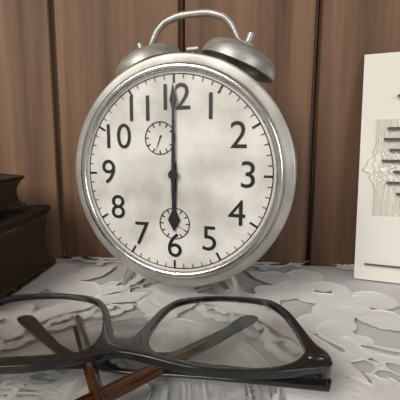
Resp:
6:00
